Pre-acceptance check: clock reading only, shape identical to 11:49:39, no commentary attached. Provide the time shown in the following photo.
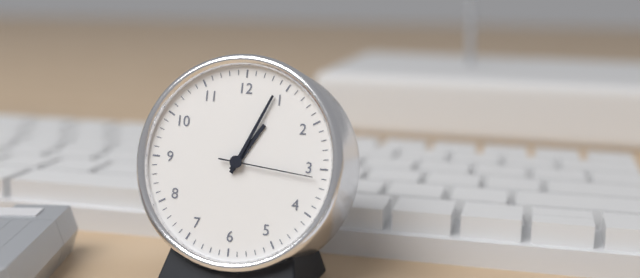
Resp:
1:04:16
